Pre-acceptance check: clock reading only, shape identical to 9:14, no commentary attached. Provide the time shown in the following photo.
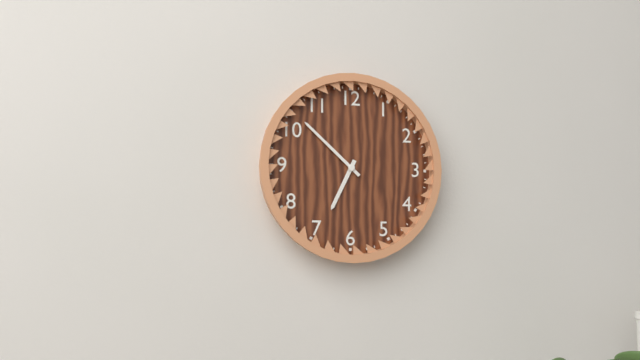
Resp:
6:52
